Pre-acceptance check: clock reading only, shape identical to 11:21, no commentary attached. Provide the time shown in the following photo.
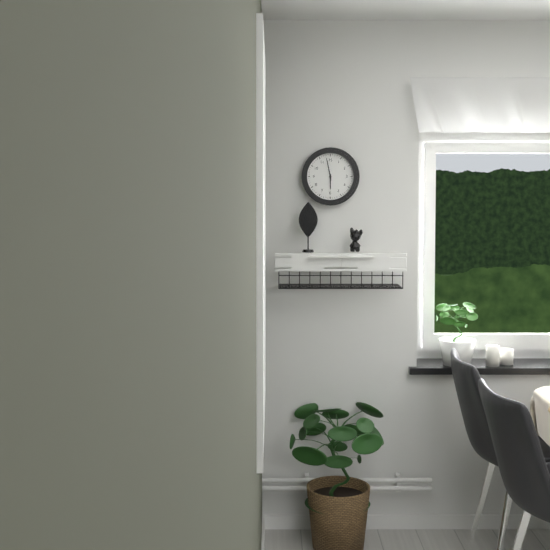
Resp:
5:58
